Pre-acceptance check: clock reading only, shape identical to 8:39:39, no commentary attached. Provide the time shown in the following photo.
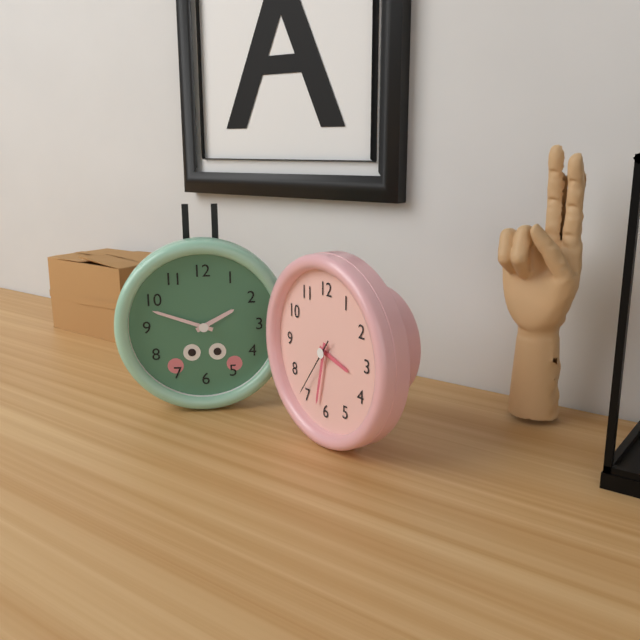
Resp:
3:32:36
